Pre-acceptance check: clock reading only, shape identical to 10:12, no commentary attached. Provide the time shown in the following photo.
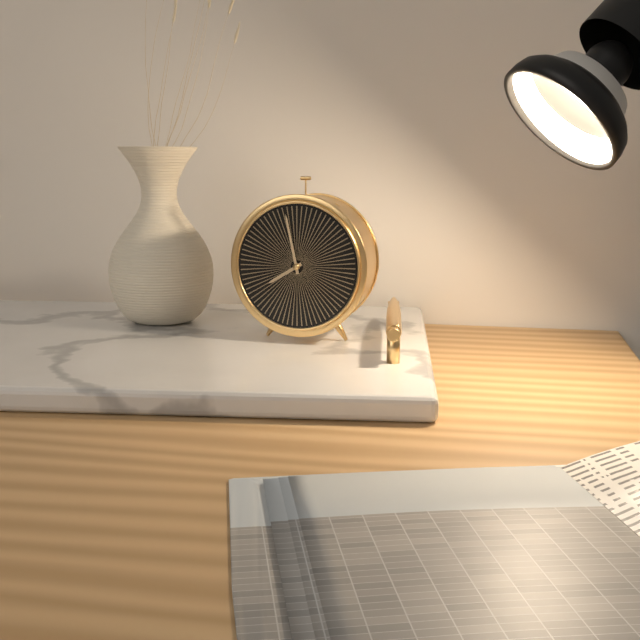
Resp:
7:58
